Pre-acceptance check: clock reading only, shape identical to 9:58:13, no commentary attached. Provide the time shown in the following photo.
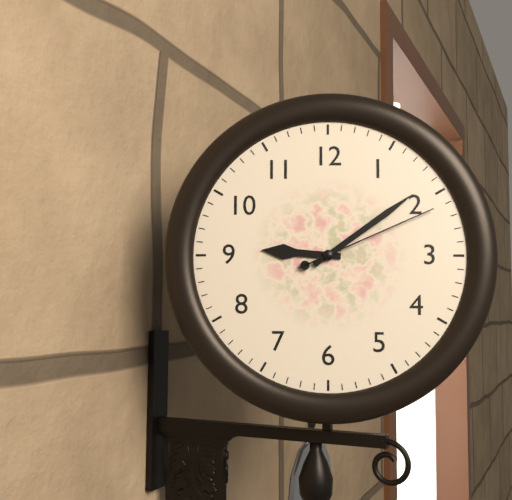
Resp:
9:09:11
